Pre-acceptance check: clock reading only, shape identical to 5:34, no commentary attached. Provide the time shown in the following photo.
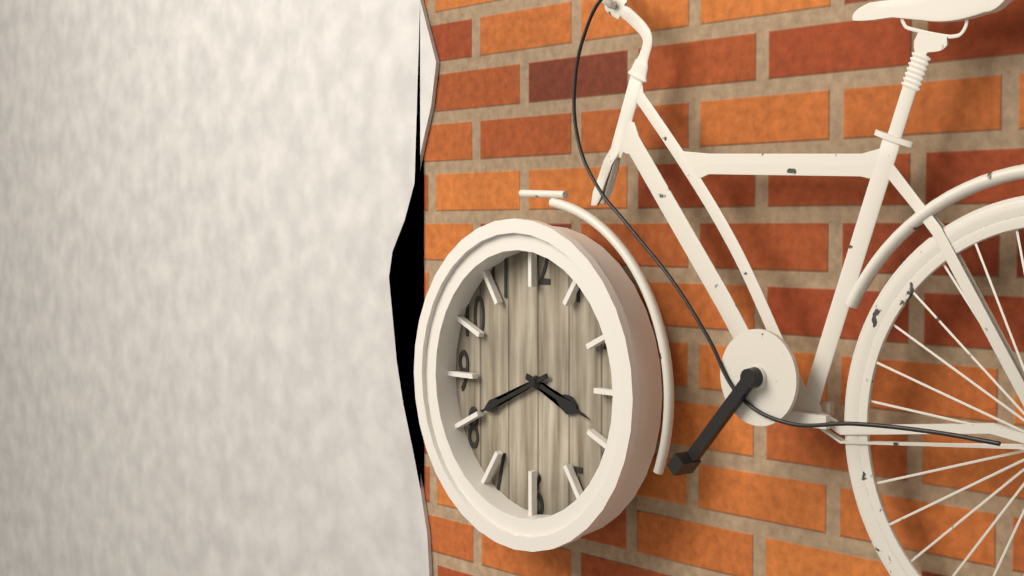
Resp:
3:41
